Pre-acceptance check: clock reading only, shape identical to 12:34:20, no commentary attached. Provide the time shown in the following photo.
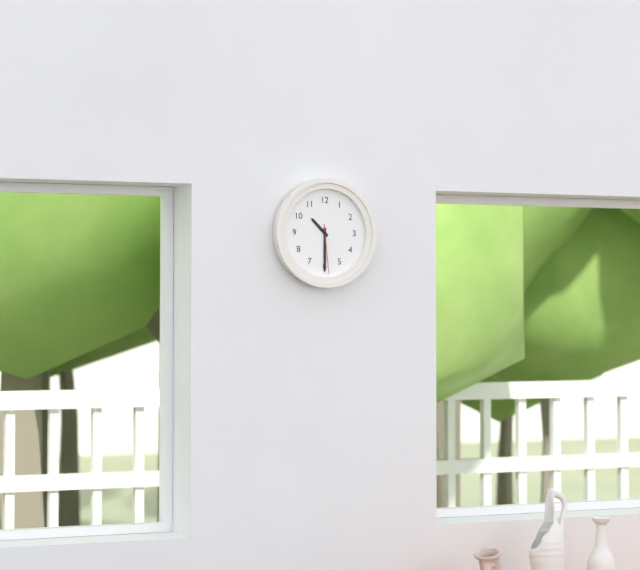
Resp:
10:30:29
